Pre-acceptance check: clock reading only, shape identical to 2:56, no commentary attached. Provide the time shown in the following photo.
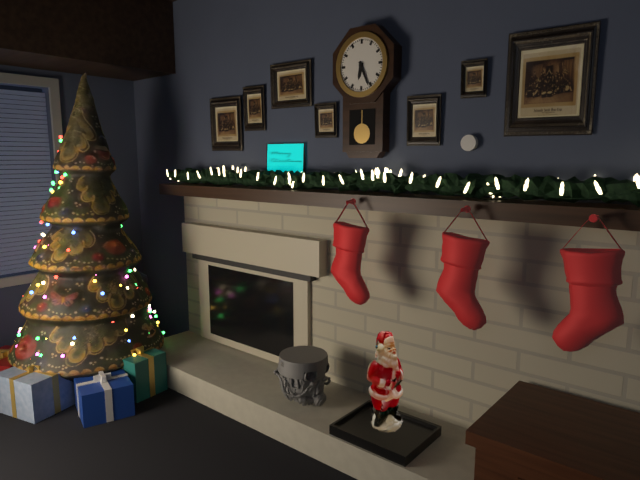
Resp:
6:26
